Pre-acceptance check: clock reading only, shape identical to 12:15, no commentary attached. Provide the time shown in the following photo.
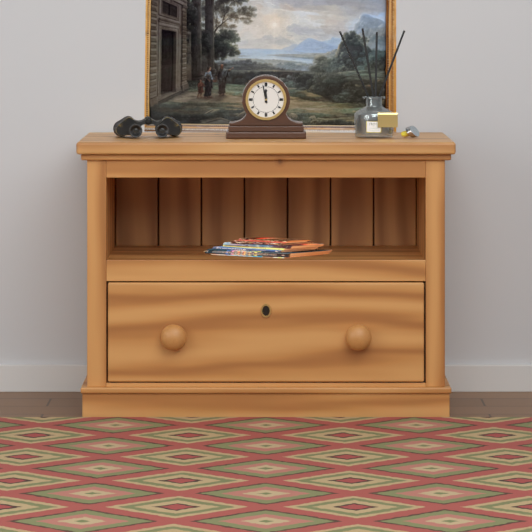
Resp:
11:58
